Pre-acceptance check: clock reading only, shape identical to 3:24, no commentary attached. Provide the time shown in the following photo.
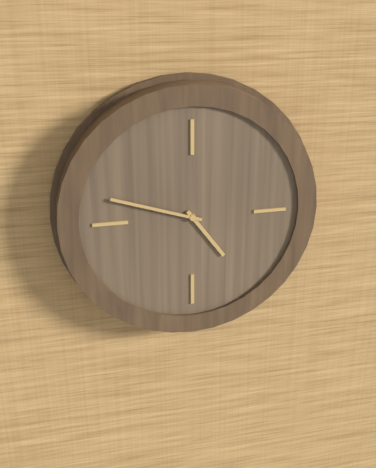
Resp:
4:48
